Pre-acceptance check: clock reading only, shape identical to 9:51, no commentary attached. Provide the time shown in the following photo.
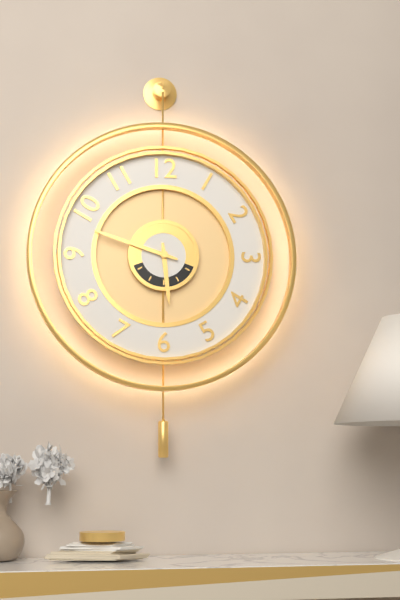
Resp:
5:48
